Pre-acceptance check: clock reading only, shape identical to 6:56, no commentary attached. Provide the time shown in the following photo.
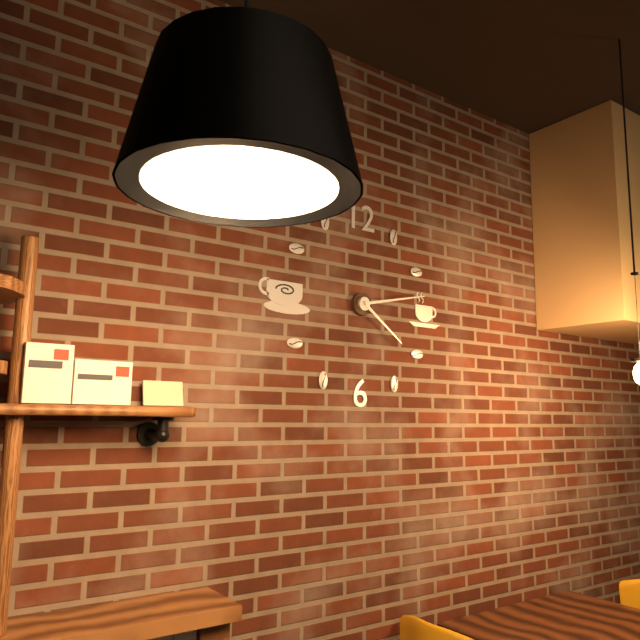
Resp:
4:13
